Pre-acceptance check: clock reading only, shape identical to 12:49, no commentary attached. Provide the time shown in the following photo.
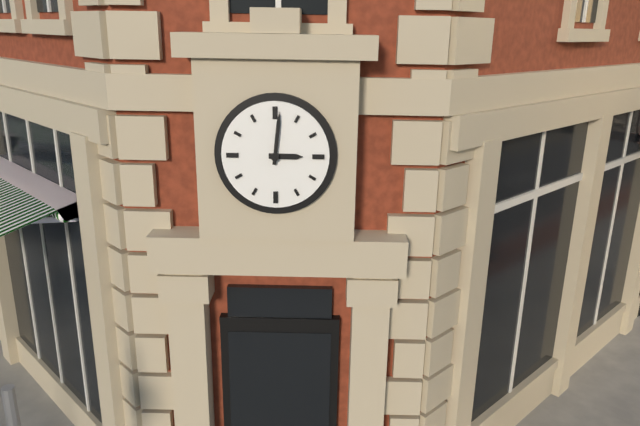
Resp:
3:01
